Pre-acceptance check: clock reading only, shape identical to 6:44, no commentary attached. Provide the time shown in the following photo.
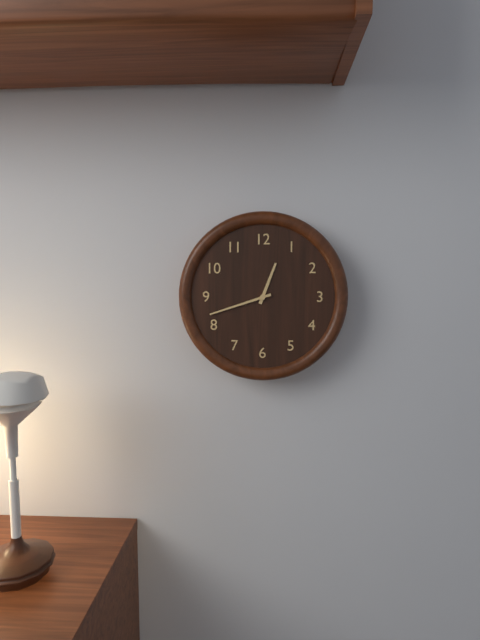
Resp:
12:42
